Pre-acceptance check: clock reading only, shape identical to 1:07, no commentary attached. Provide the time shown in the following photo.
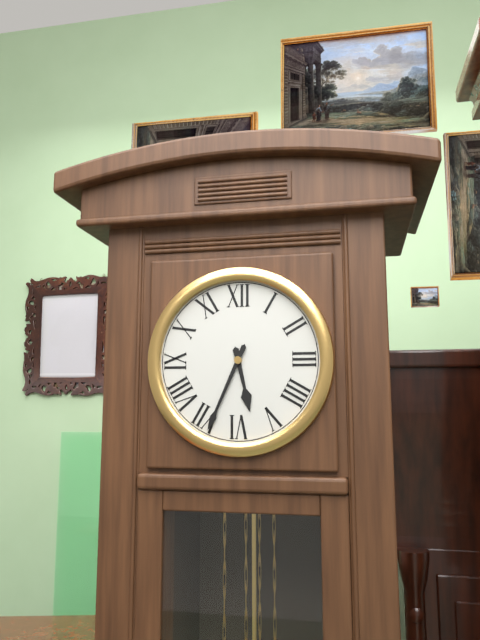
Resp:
5:34
